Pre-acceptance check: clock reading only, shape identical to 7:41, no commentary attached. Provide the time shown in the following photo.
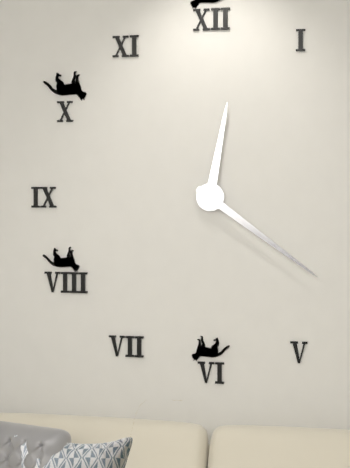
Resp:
12:21
